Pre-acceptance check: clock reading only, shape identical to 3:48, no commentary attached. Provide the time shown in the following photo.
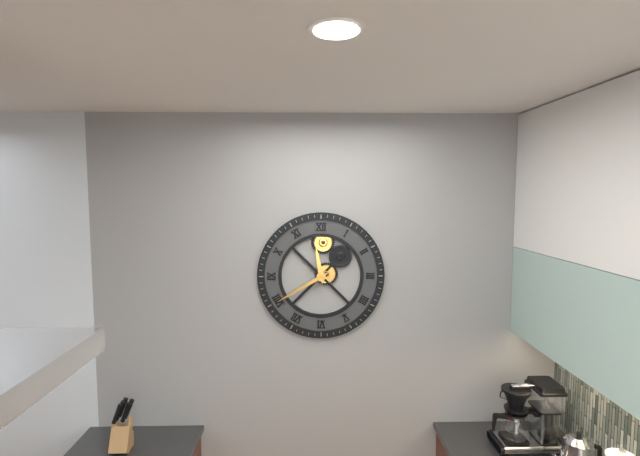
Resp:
11:40
